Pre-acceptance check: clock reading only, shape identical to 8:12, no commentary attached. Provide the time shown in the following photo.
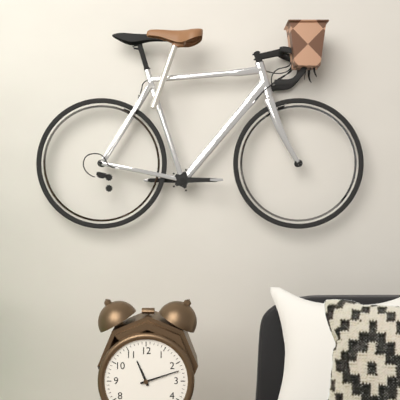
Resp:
11:12
